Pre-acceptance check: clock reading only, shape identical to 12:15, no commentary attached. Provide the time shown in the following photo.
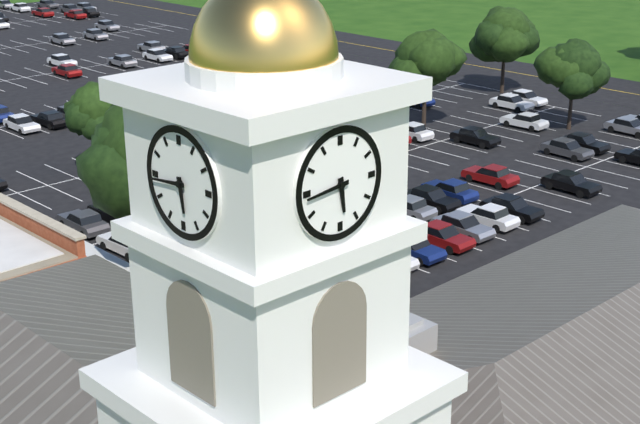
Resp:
5:44
